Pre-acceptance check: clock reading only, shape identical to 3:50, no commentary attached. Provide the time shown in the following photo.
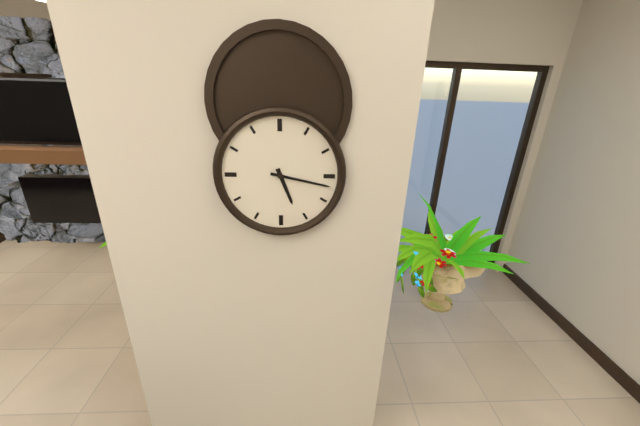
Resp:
5:17
